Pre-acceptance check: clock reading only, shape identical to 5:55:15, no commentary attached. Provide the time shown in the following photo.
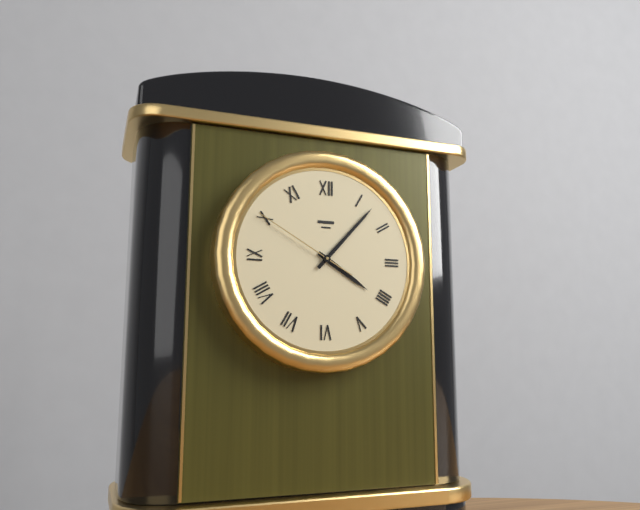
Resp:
4:07:50
